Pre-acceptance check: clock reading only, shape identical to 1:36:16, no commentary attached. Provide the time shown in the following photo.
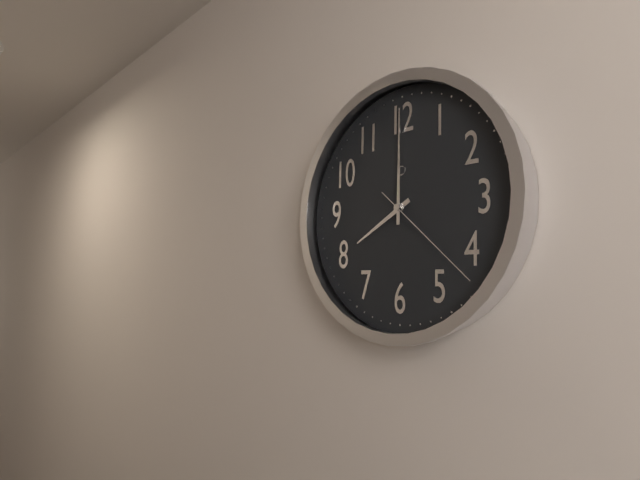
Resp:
8:00:22
